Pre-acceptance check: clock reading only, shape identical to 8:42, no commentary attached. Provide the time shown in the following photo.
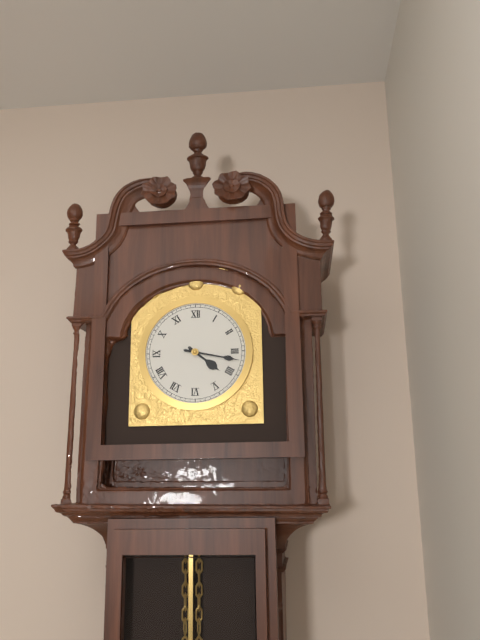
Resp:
4:17
